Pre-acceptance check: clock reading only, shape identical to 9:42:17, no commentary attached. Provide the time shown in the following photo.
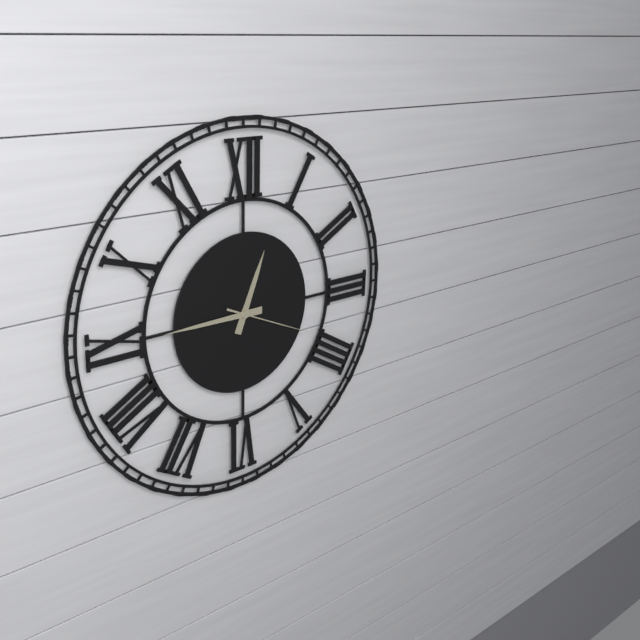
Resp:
12:45:19
